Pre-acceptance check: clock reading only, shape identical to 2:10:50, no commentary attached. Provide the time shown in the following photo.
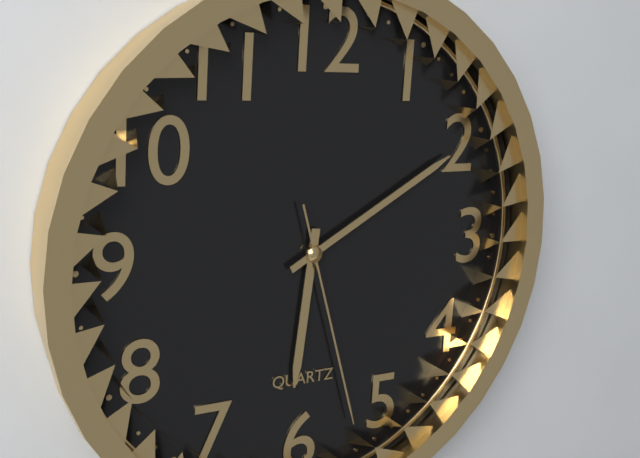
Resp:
6:10:27
